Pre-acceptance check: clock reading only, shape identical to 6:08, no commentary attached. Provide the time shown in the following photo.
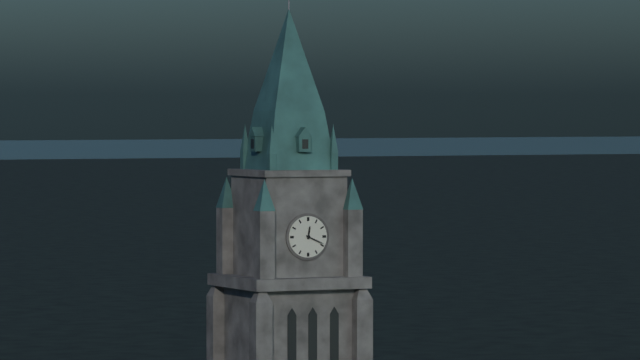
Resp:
12:19
